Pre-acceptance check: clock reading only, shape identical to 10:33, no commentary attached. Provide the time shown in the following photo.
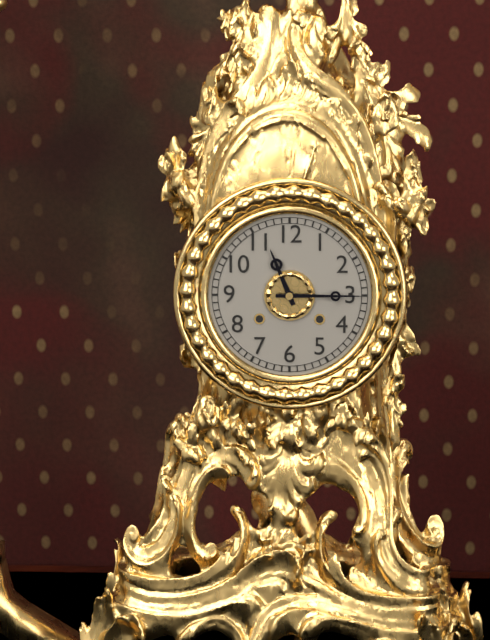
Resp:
11:15
